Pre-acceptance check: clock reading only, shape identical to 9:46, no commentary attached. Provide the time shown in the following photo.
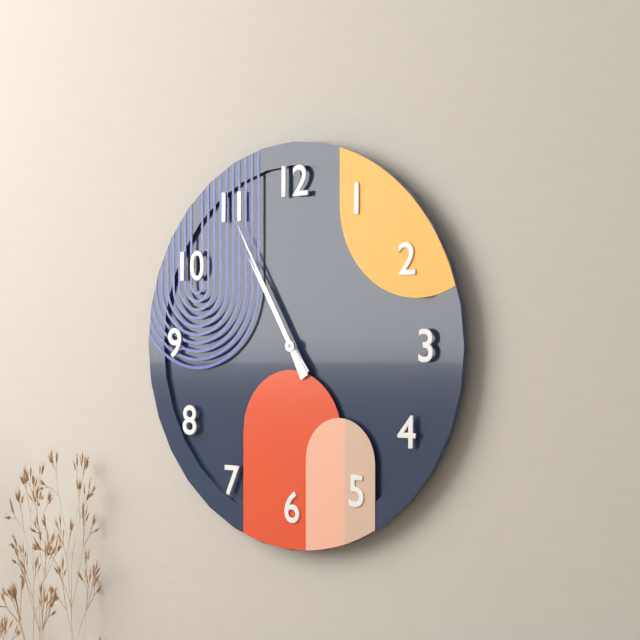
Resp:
10:55
